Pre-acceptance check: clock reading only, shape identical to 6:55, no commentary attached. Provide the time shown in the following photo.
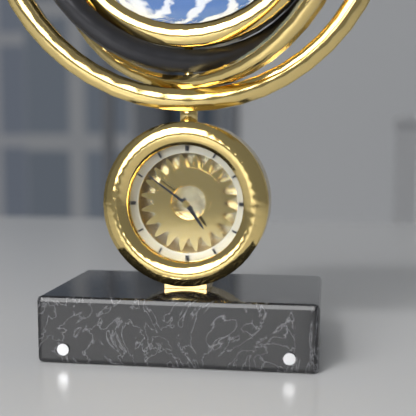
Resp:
4:51
